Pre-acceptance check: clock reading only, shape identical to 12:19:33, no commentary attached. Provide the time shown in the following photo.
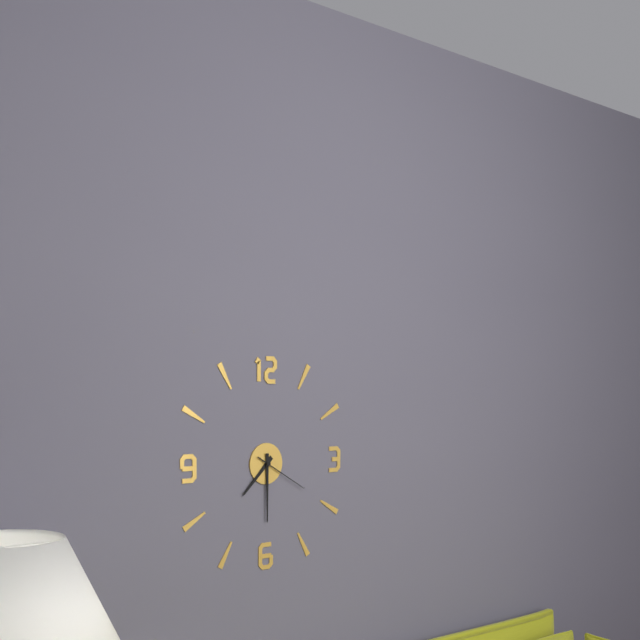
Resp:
7:30:20
